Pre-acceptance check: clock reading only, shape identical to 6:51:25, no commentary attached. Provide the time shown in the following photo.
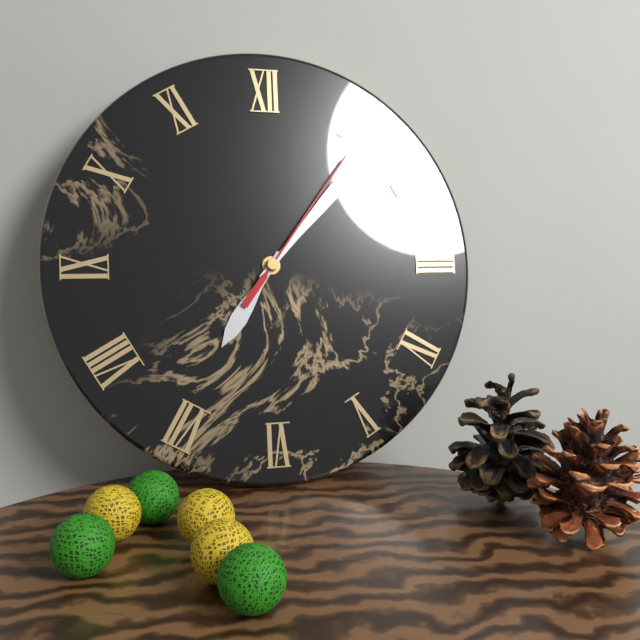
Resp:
7:07:06
